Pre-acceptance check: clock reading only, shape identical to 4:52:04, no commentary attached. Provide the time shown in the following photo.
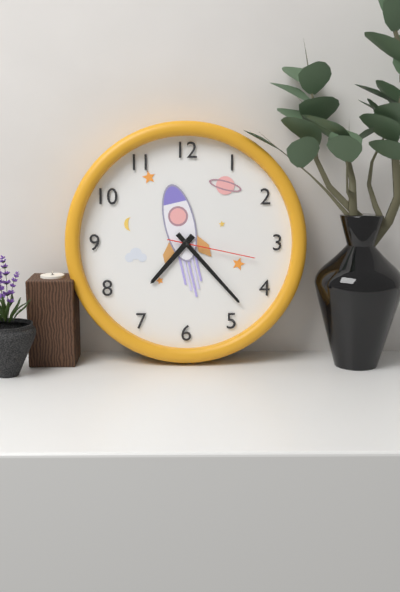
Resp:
7:23:17
